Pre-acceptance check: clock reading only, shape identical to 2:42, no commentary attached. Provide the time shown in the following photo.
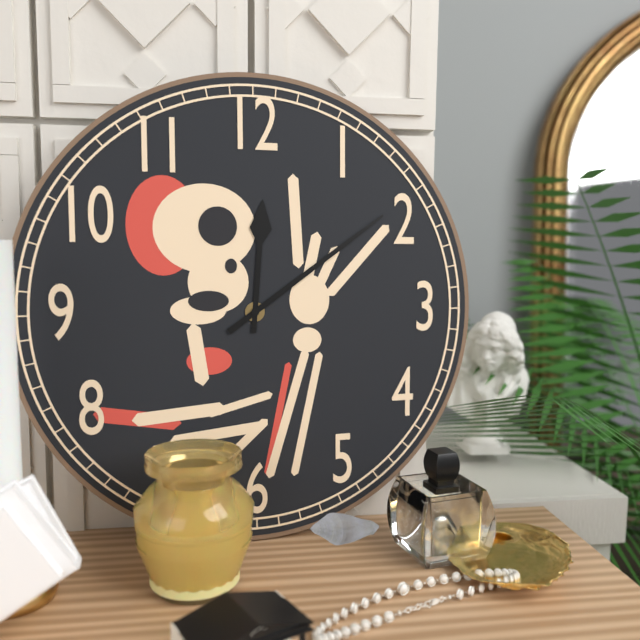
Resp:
12:09
